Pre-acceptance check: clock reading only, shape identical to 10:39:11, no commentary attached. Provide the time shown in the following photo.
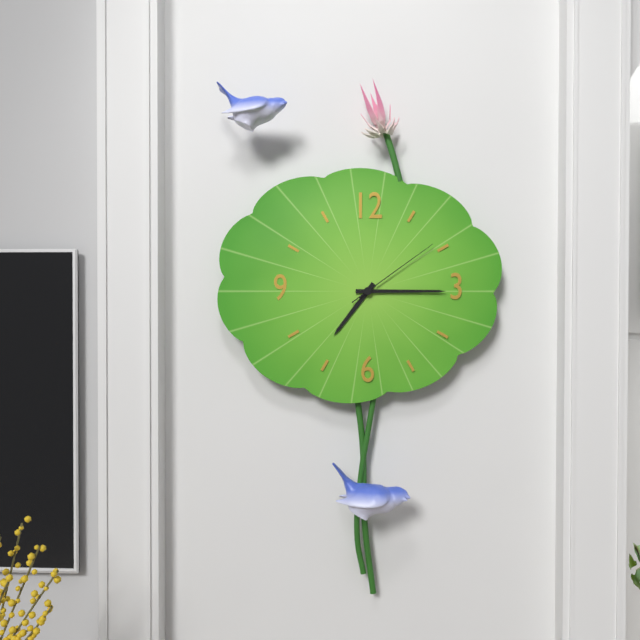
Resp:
7:15:09
